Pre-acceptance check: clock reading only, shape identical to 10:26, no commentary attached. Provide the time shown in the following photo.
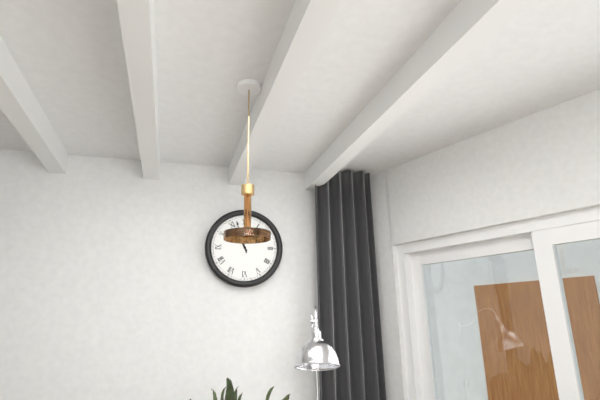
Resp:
10:57
